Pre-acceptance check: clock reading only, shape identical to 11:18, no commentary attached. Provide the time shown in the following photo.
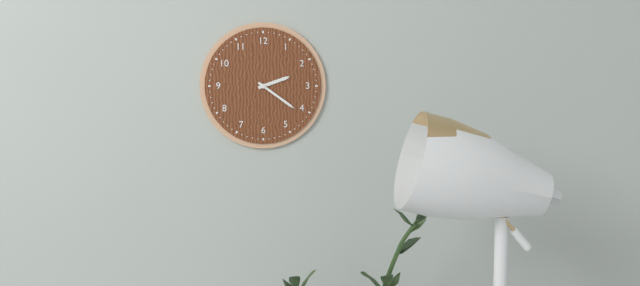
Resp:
2:21
